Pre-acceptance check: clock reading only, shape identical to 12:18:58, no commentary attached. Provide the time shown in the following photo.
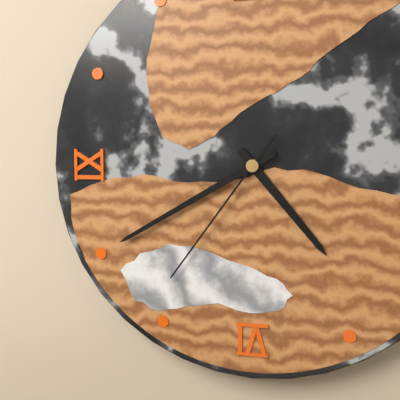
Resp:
4:40:36
